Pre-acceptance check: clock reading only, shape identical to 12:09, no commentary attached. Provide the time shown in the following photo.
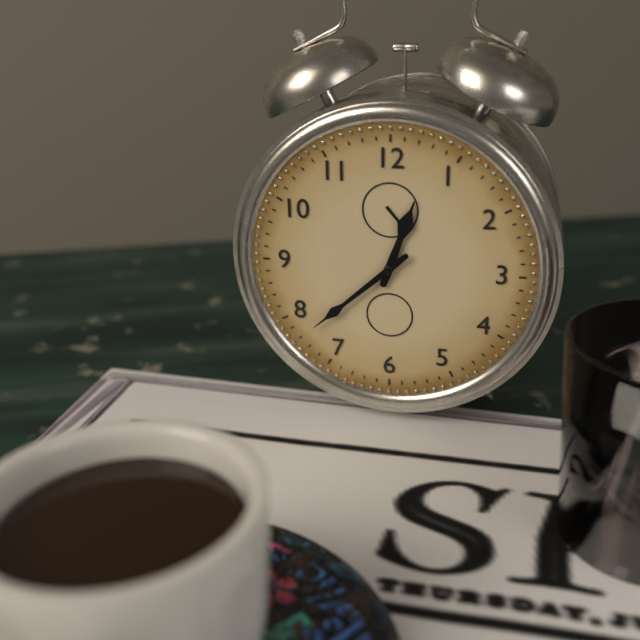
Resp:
12:38
